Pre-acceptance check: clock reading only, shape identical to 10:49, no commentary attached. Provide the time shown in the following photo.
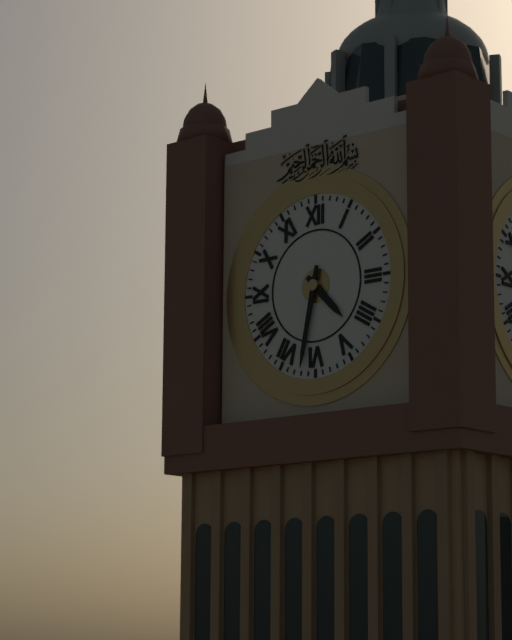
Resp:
4:32
